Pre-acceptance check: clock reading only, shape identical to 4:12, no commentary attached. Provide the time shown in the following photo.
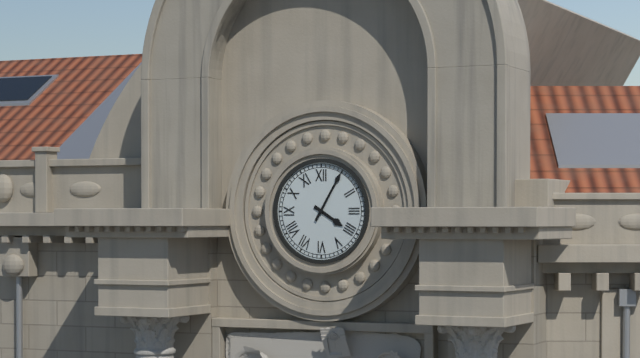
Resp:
4:05
